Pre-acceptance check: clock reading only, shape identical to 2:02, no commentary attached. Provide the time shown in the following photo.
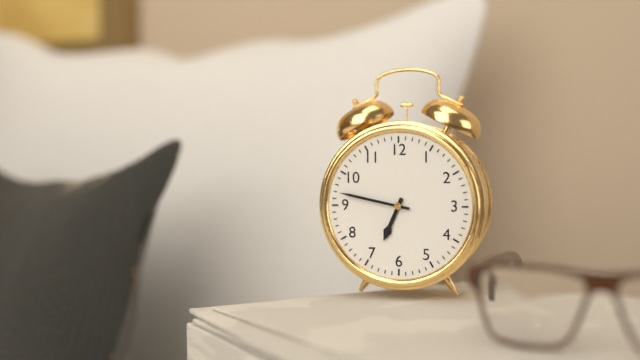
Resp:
6:47
